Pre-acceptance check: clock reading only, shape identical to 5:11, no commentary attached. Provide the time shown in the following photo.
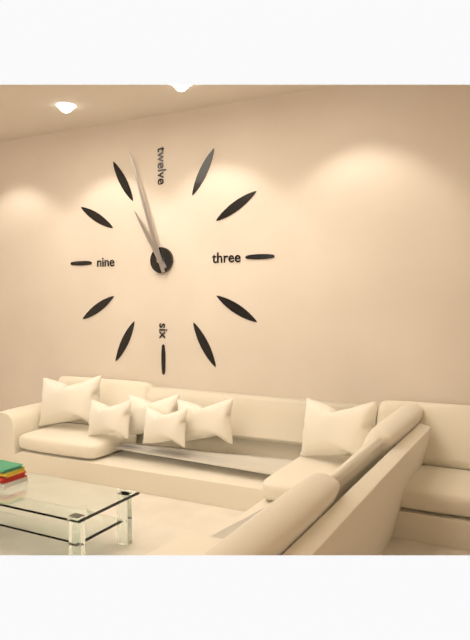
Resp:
10:57
